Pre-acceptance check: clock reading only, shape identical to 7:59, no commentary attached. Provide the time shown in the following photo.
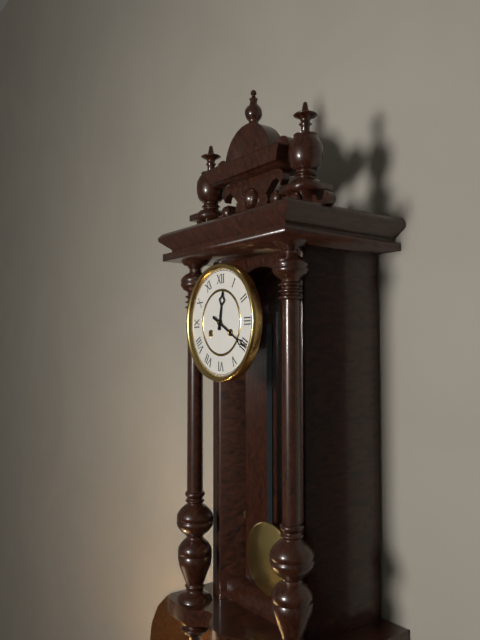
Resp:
12:20
